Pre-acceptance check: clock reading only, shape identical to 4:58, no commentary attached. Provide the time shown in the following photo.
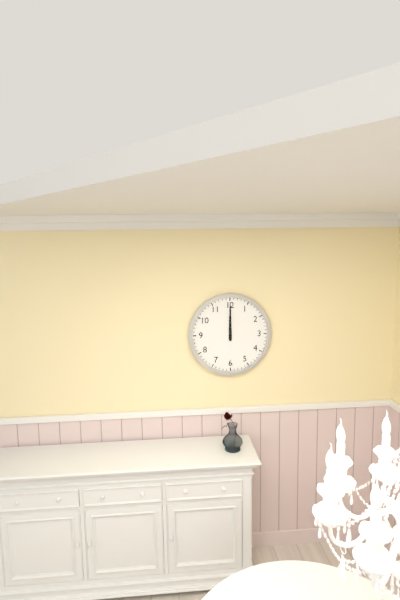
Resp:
12:00
